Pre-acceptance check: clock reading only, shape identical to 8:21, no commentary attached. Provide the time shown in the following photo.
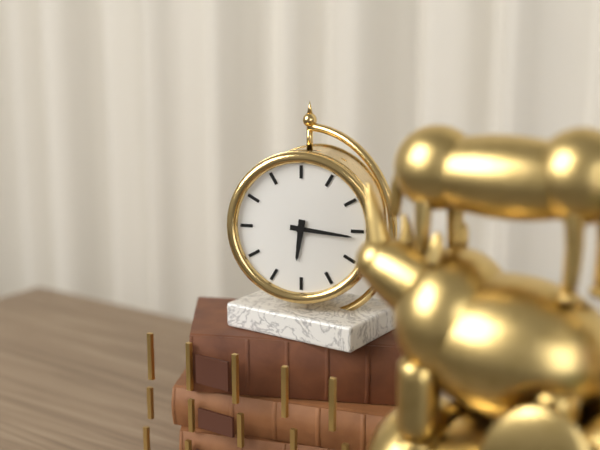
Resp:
6:16
